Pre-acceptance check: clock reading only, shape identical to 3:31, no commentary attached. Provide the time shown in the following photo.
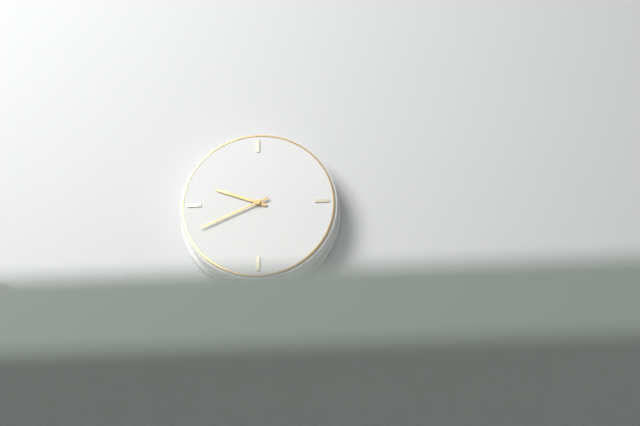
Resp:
9:41
